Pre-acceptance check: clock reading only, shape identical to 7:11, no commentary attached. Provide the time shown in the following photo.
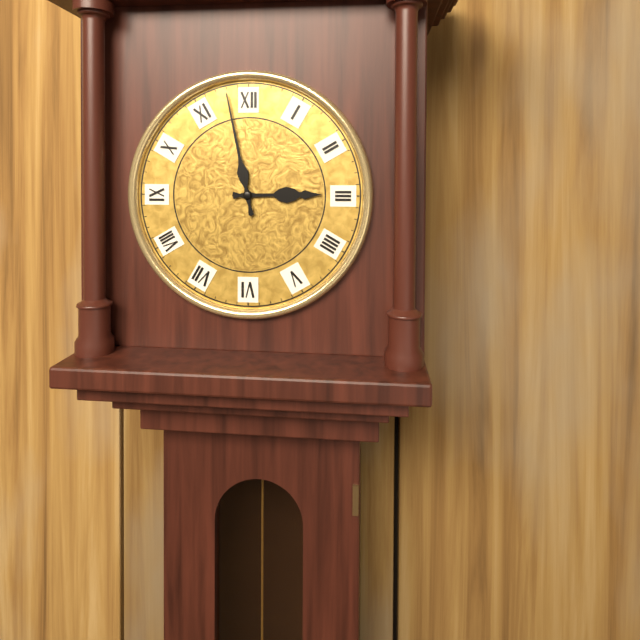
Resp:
2:58
